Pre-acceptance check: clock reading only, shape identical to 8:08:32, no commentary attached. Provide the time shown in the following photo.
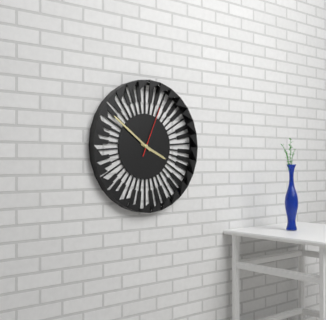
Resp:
3:51:04
